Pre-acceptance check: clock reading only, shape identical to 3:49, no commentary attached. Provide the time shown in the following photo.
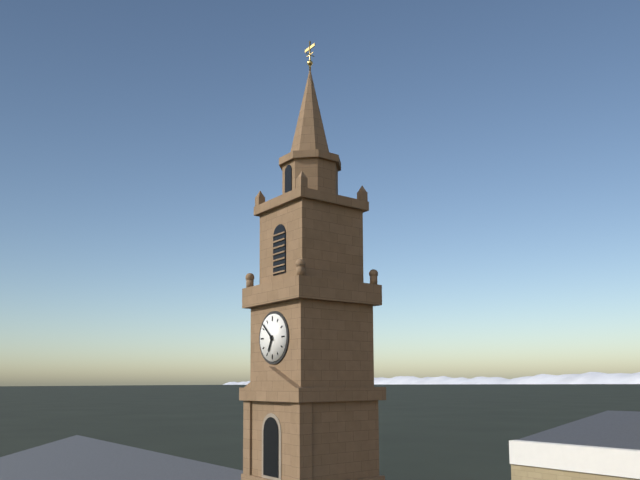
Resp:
6:52
